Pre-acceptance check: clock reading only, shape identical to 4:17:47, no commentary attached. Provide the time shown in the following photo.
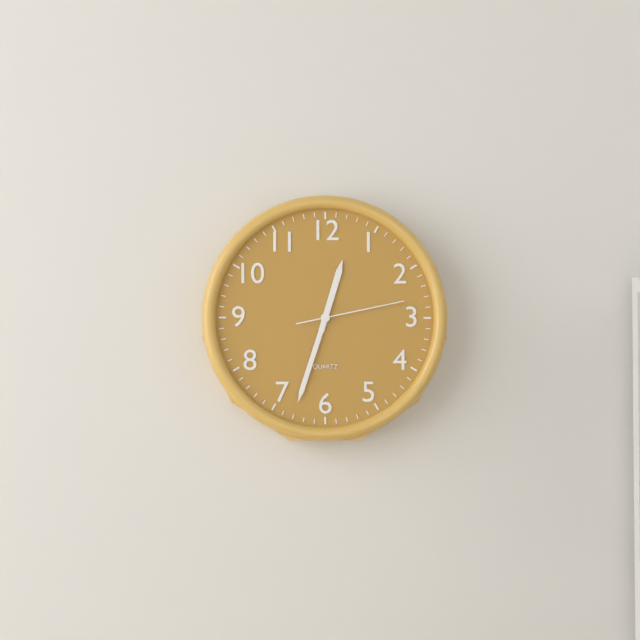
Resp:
12:33:13
